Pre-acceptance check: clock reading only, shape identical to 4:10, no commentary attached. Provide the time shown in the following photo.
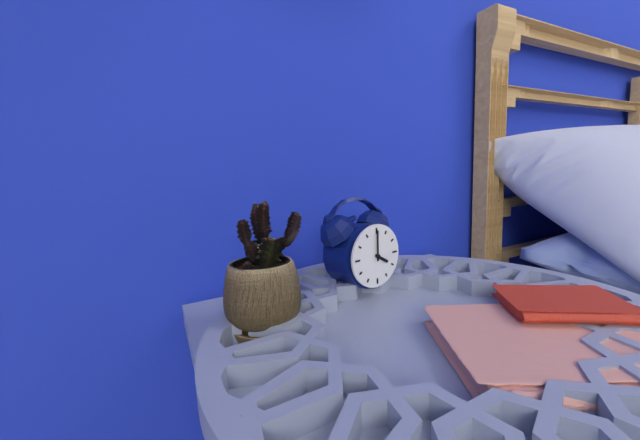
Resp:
4:00
